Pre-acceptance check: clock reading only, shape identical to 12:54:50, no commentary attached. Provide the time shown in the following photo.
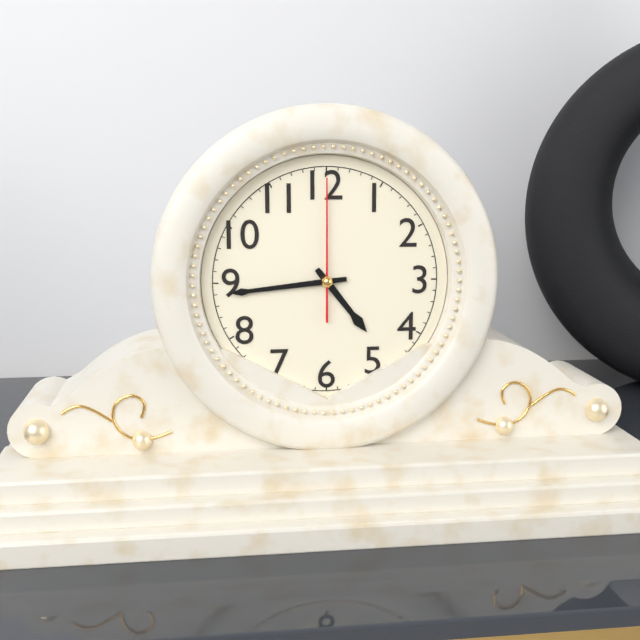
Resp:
4:44:00
